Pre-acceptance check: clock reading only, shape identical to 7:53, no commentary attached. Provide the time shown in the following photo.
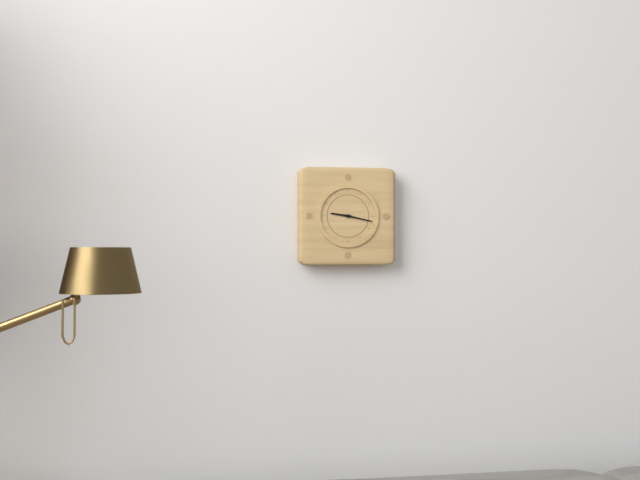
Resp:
9:17
